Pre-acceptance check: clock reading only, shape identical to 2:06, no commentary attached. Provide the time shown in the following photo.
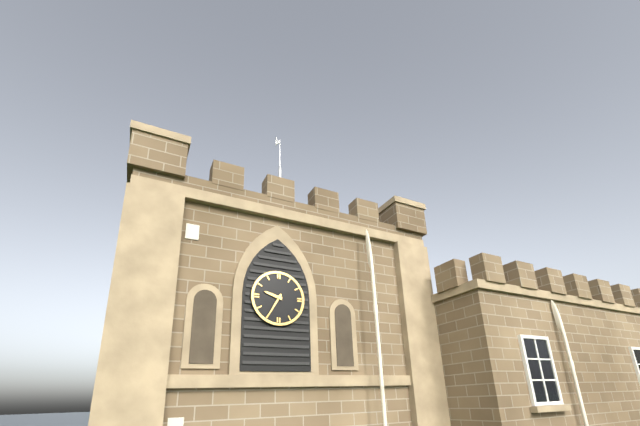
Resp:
9:35
